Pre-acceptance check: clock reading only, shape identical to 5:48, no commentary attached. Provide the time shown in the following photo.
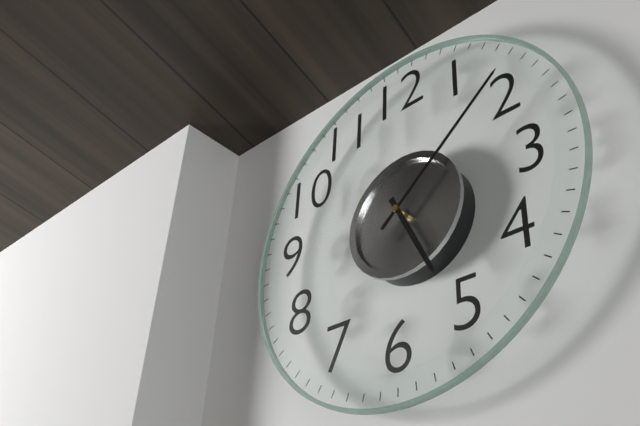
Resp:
5:08
